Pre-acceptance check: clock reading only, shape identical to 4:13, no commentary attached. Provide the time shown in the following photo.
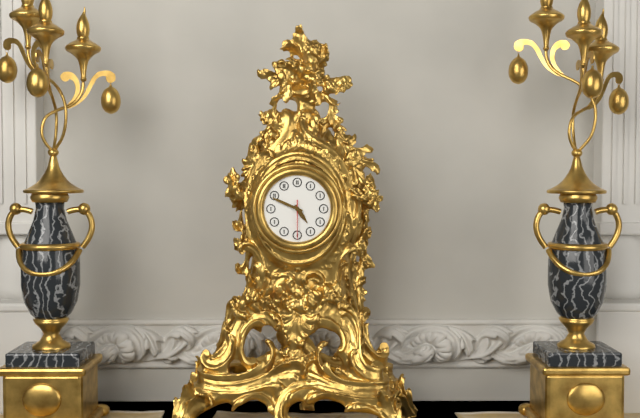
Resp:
4:49
